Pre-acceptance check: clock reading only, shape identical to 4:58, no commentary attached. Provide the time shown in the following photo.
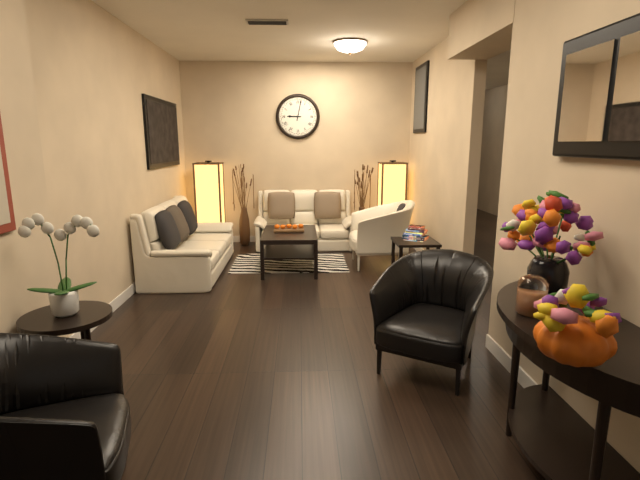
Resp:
9:02
